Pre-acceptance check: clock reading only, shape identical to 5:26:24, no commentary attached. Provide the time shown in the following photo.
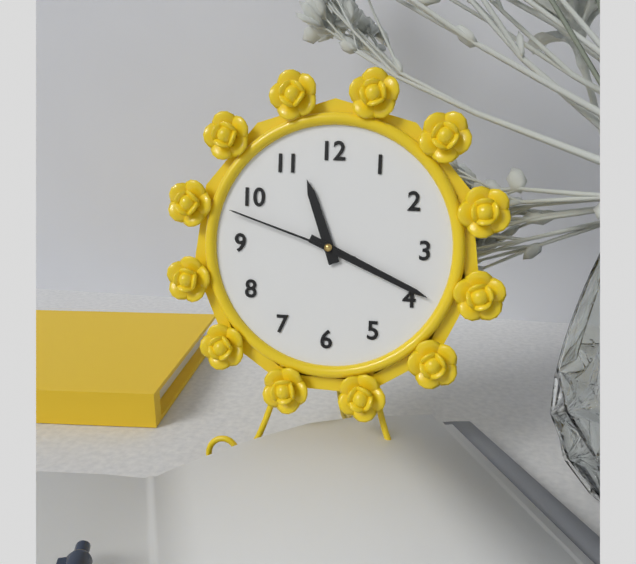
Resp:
11:19:48
